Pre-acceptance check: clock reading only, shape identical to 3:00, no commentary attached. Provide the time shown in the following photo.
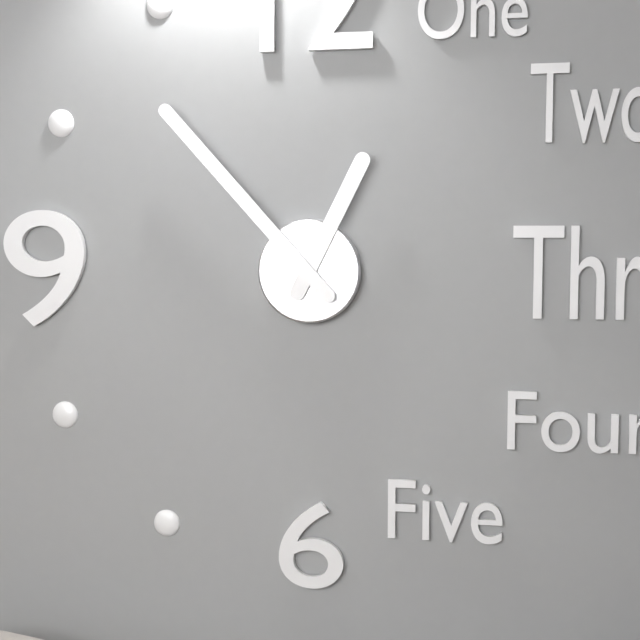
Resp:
12:53
